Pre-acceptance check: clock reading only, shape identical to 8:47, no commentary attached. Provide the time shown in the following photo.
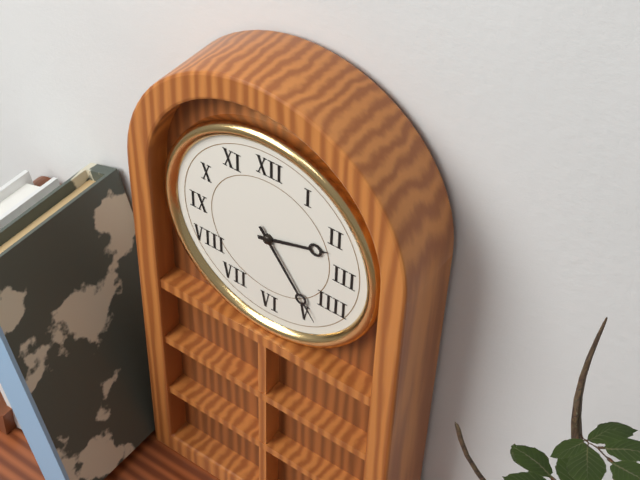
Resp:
2:24
